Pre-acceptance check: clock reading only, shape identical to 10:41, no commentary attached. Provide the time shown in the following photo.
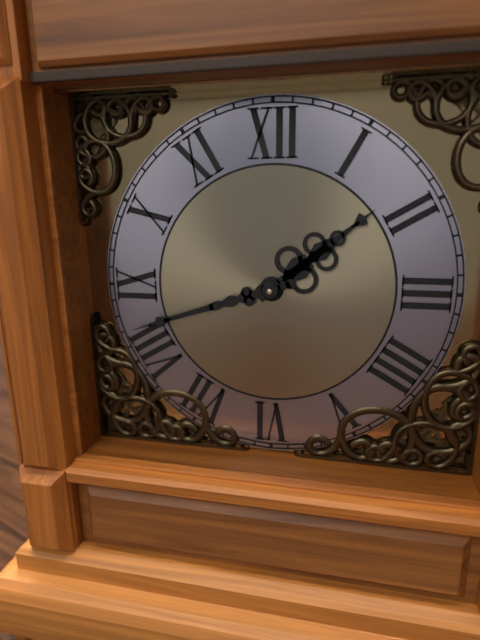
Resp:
1:42
